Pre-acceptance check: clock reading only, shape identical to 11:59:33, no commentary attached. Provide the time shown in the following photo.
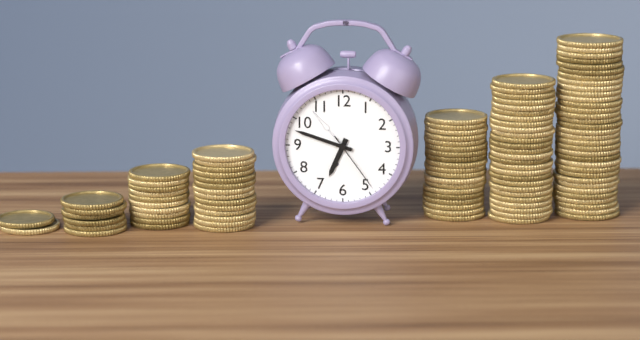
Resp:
6:48:24
